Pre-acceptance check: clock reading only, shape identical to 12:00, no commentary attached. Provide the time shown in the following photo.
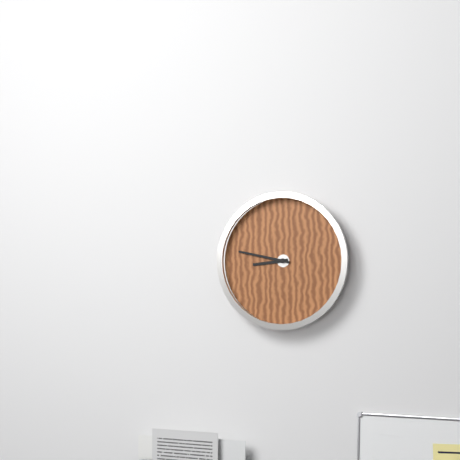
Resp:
8:47
